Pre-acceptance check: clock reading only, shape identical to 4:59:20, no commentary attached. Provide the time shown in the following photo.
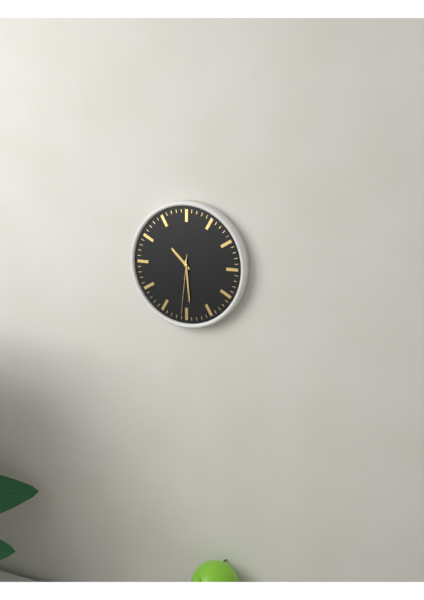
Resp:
10:29:31
